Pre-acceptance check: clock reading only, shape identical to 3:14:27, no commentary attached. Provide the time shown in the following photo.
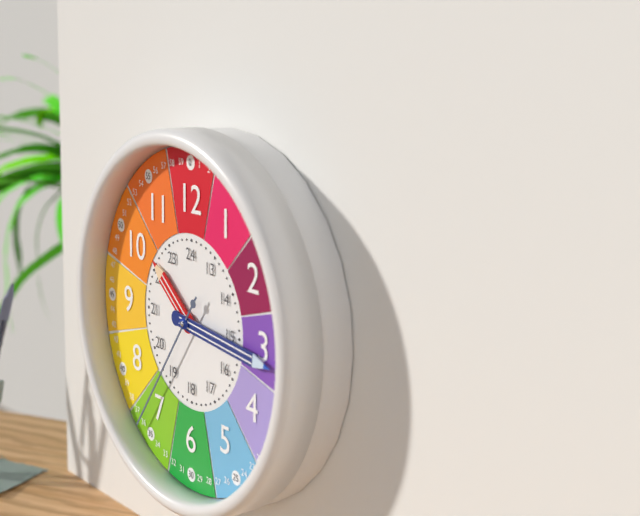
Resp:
10:16:36
